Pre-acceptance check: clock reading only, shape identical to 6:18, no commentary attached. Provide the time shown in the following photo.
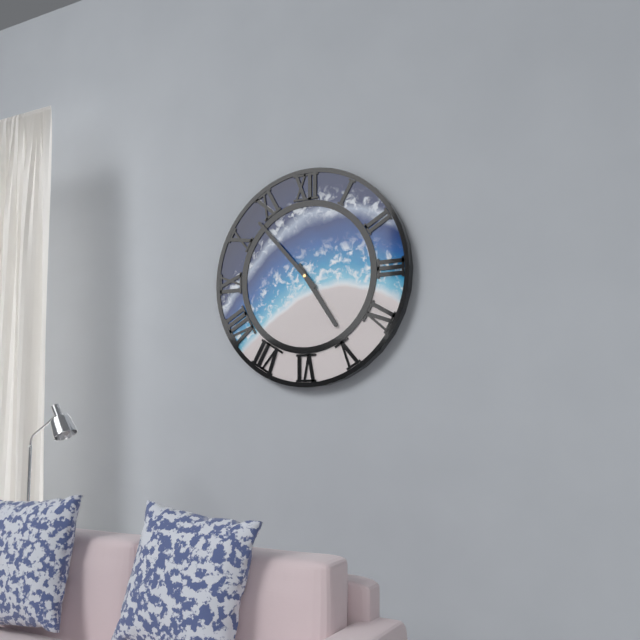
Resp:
4:53
